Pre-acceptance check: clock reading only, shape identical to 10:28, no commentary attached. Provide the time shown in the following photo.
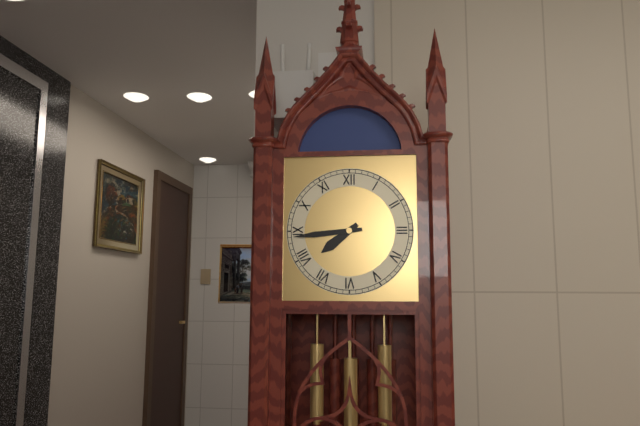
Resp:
7:44
